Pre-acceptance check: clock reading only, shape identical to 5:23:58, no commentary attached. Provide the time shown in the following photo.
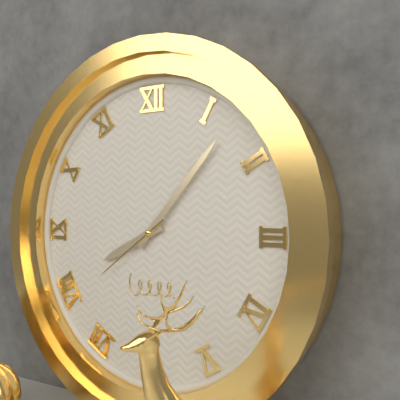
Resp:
8:07:39
